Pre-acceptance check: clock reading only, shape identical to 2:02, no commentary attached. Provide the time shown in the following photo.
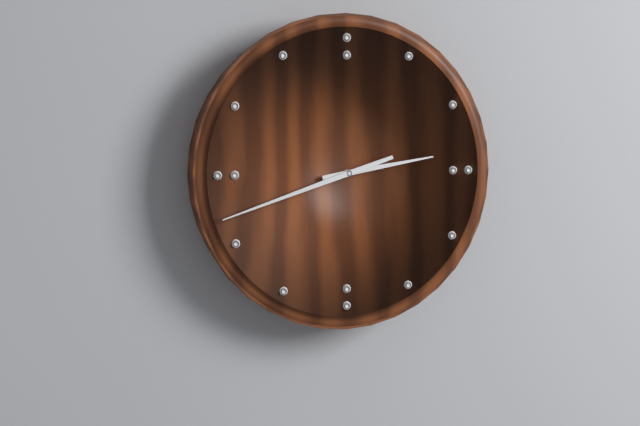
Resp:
2:42
